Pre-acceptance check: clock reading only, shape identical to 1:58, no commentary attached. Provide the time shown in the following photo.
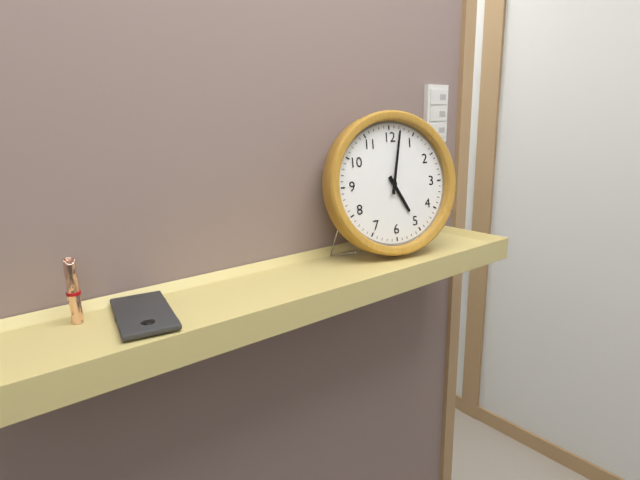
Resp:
5:02
